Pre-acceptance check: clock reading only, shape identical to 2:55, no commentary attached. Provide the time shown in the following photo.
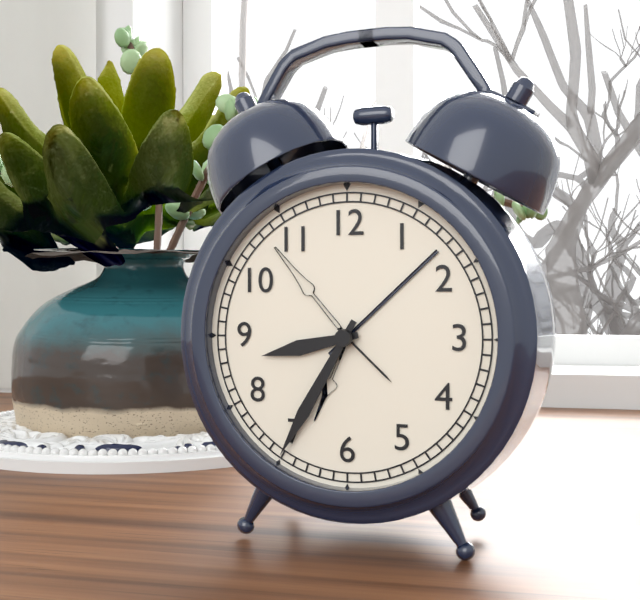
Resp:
8:35
